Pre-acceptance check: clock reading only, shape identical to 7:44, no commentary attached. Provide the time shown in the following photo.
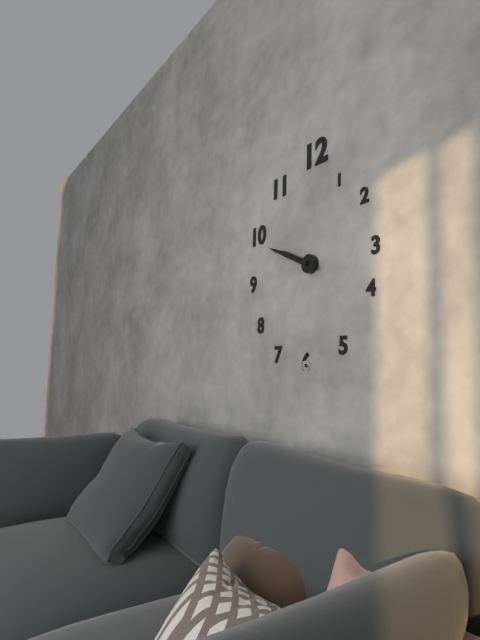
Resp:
9:49
